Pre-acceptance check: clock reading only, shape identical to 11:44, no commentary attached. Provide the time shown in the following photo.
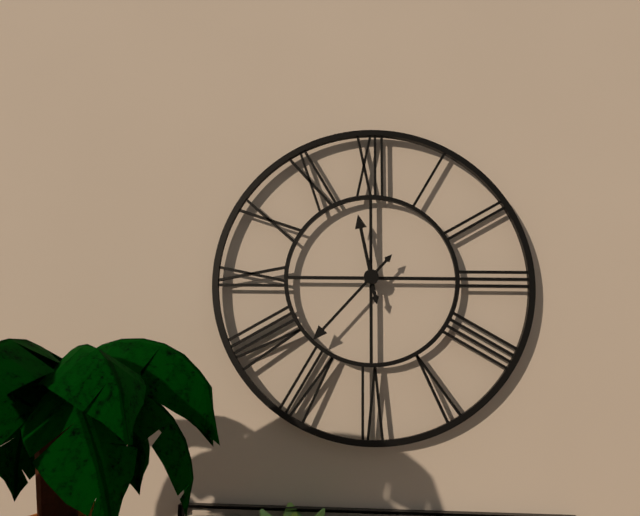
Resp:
11:37
